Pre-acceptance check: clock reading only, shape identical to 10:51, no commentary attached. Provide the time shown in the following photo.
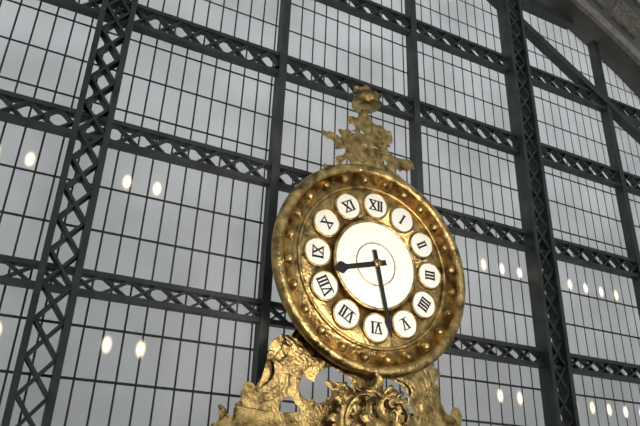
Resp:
8:28
